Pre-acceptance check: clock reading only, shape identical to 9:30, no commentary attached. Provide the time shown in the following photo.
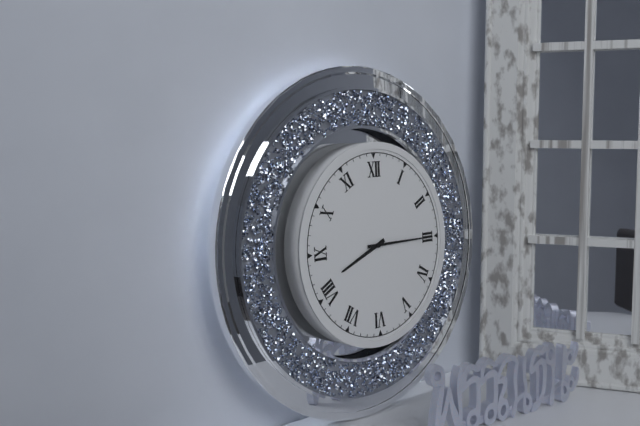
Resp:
8:15
